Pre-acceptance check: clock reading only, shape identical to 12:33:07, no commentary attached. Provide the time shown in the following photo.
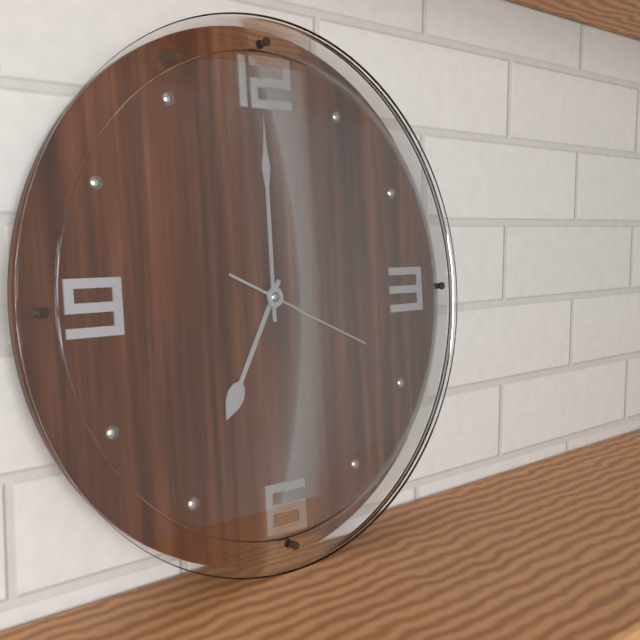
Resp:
7:00:19
